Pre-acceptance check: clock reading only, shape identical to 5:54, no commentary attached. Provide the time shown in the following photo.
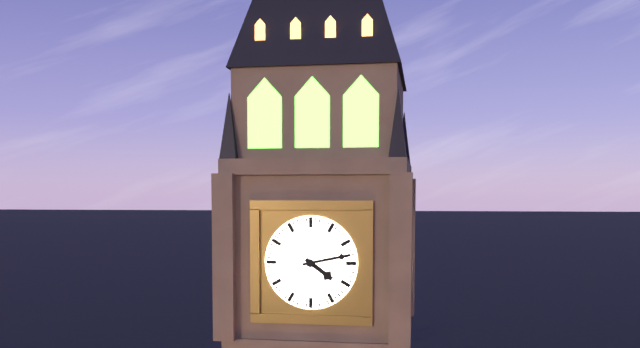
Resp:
4:13
